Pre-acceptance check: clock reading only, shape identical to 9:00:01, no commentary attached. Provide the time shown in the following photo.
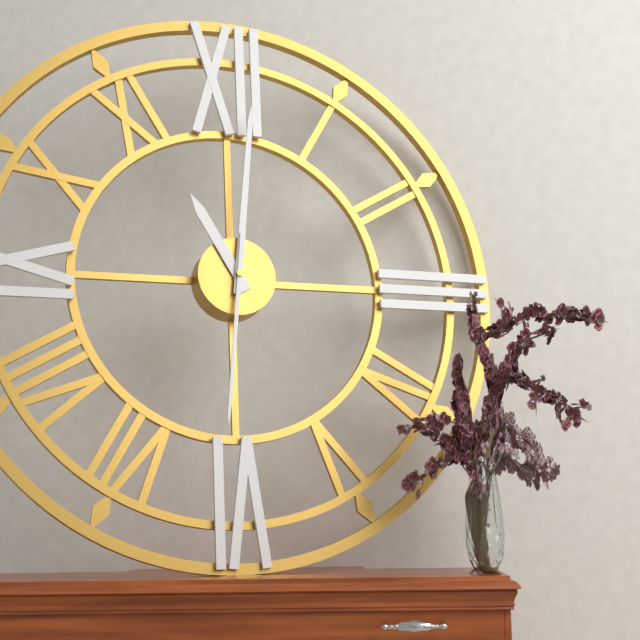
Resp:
11:01:31
